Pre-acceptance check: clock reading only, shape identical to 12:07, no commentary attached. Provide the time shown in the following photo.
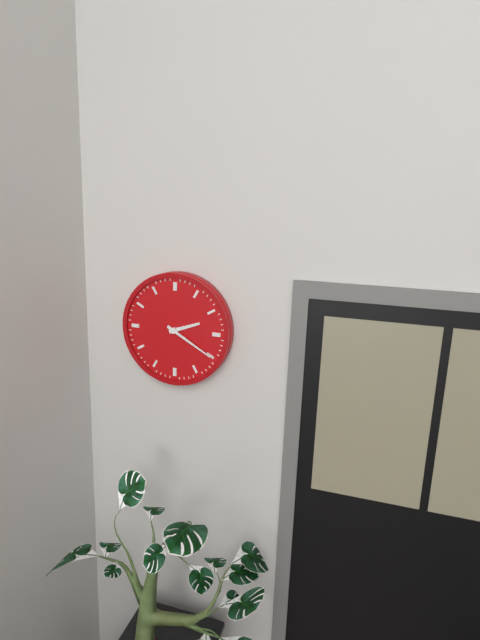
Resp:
2:20
